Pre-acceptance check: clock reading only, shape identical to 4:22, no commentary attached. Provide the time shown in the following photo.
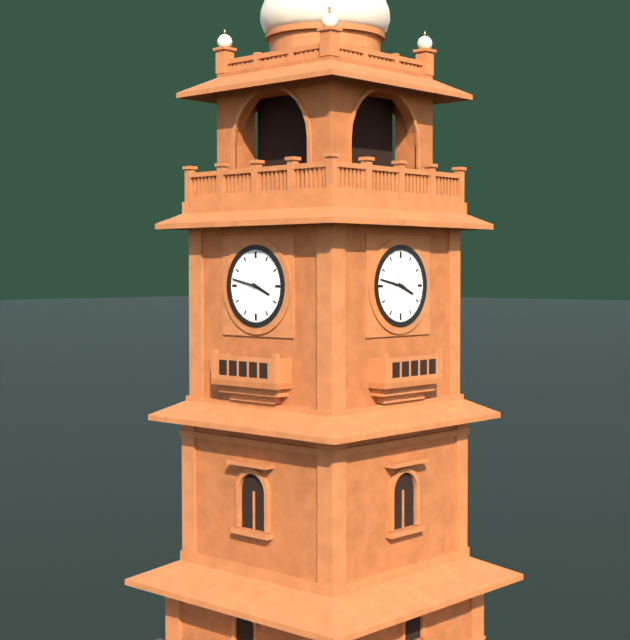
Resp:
3:47
